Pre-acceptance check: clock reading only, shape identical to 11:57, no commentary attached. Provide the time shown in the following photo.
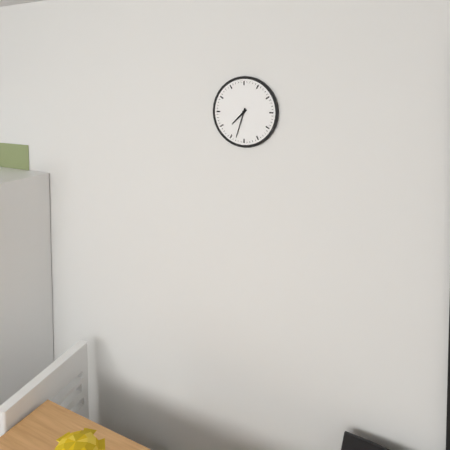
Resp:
7:33
